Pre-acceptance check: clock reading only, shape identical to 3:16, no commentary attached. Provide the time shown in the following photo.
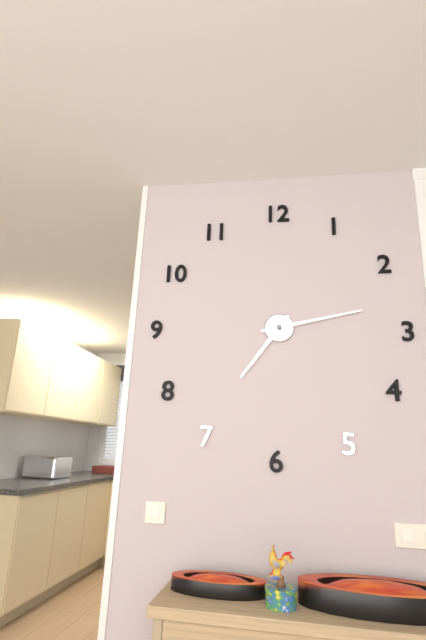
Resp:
7:13
